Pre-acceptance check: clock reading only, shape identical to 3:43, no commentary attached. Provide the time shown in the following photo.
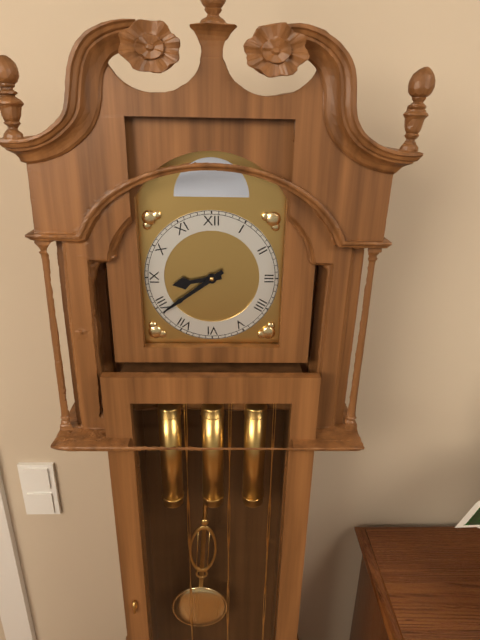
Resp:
8:39
